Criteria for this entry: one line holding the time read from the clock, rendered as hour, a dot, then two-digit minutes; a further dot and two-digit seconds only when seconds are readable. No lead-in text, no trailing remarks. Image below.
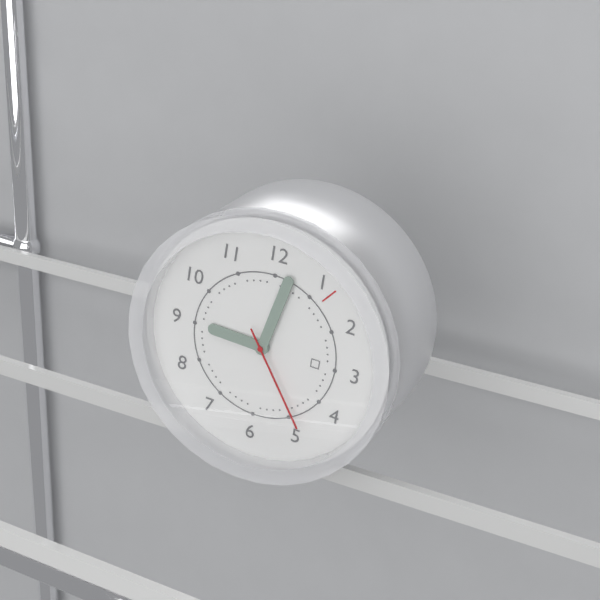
9.02.24
